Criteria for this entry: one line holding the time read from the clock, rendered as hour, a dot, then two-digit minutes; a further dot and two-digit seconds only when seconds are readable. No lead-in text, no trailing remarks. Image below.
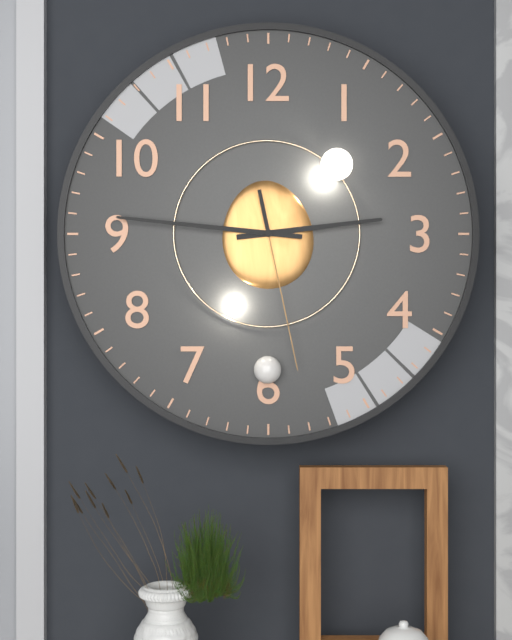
2.46.28
